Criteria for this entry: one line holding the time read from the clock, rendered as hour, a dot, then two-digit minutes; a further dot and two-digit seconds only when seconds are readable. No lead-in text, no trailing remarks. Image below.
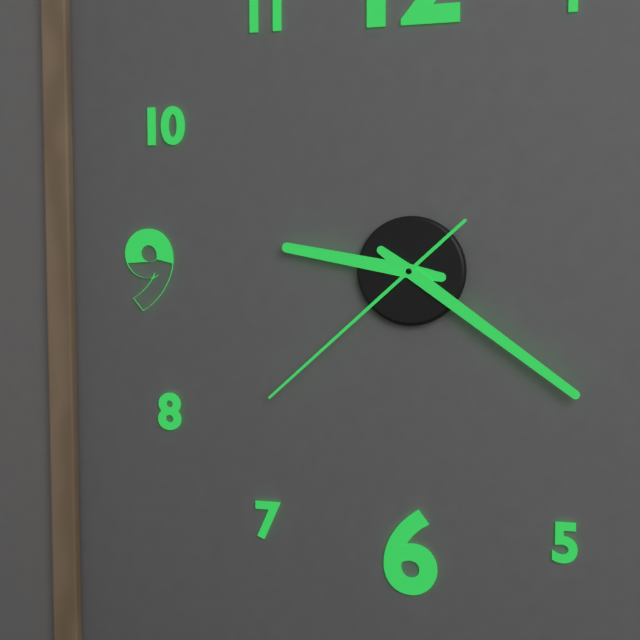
9.21.38
